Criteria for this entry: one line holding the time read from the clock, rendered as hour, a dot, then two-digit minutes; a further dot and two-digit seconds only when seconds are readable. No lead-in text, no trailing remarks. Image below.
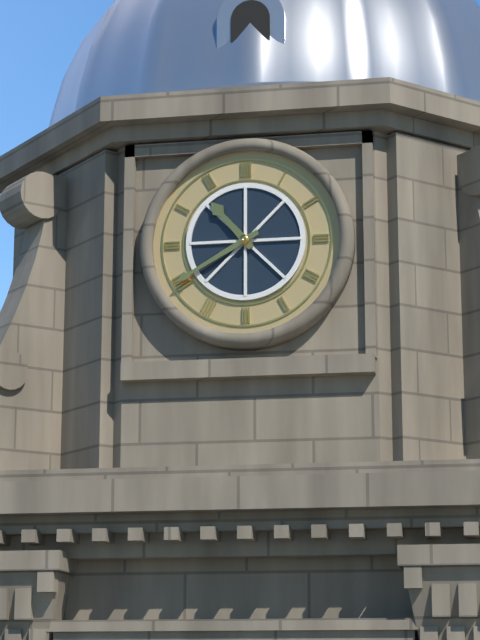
10.40
